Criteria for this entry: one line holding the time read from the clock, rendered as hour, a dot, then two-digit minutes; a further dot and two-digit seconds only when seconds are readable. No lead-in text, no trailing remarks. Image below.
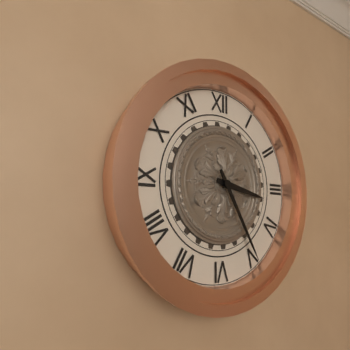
3.25
